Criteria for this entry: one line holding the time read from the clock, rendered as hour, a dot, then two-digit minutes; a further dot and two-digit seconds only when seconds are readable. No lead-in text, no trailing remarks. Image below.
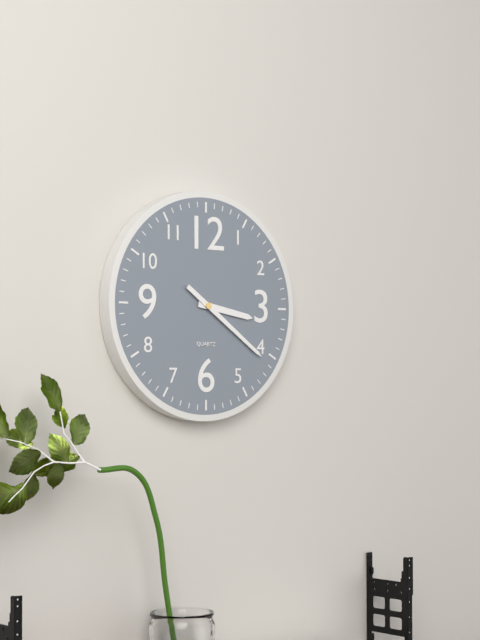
3.21
